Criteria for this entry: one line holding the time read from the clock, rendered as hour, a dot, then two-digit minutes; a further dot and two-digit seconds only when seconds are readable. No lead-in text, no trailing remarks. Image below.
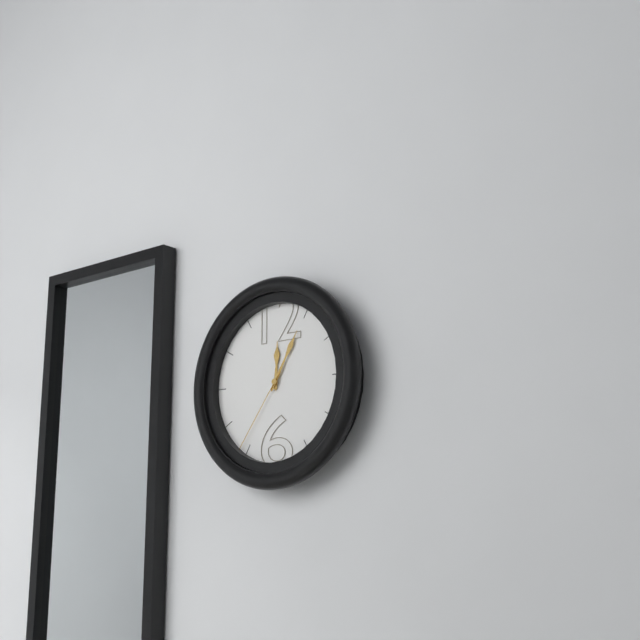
12.05.36
